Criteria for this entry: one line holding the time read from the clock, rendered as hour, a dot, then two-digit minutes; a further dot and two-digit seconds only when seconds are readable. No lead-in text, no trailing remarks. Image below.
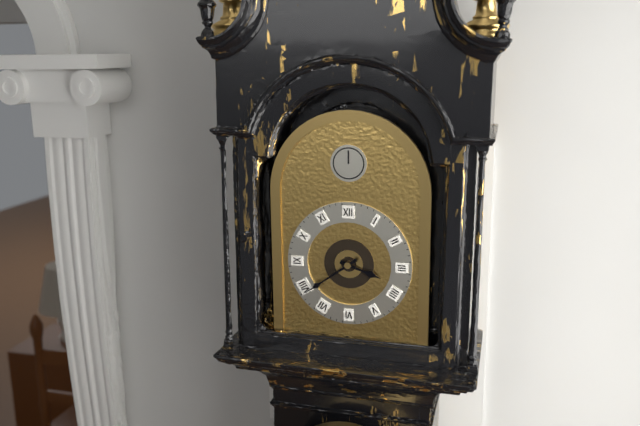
3.39
